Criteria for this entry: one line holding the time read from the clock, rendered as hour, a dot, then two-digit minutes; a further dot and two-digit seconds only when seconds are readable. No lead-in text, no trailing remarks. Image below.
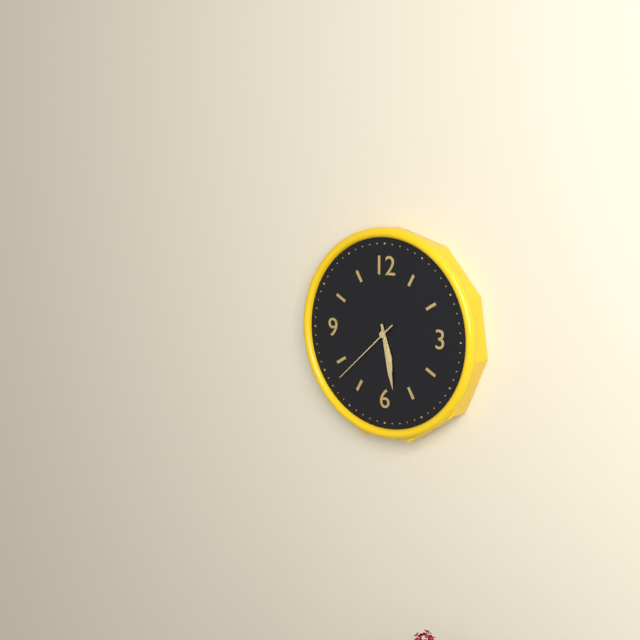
5.28.38
